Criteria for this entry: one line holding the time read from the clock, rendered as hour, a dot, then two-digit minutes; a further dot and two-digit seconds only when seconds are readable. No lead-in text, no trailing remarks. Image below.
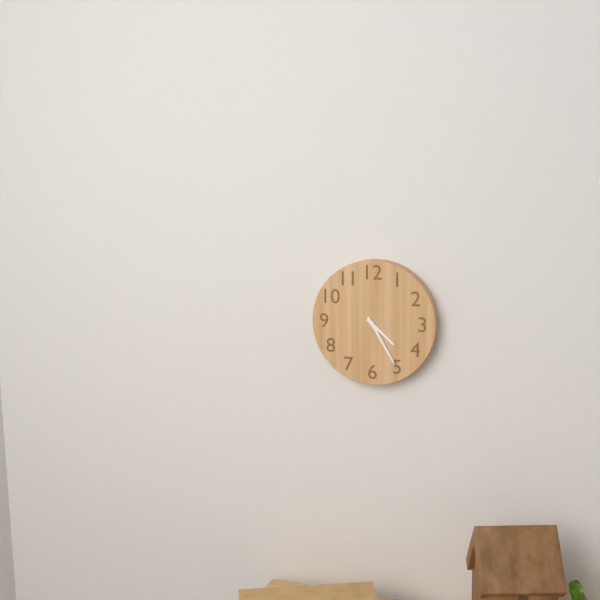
4.25
